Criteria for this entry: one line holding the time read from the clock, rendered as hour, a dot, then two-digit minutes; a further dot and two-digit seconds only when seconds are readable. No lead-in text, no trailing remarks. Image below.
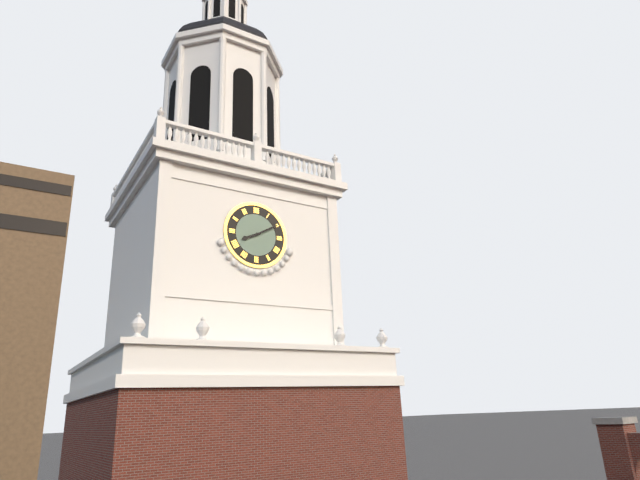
8.10
